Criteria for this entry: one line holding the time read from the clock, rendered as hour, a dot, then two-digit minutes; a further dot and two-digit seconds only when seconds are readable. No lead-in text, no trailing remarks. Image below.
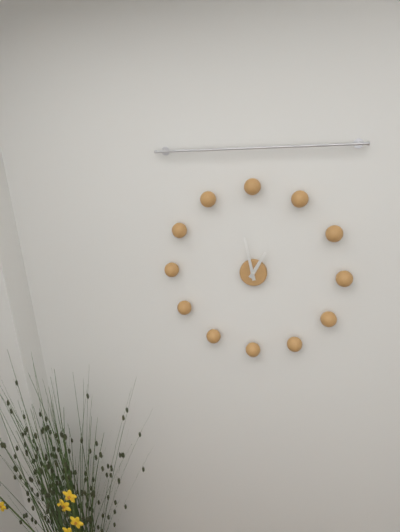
12.58
